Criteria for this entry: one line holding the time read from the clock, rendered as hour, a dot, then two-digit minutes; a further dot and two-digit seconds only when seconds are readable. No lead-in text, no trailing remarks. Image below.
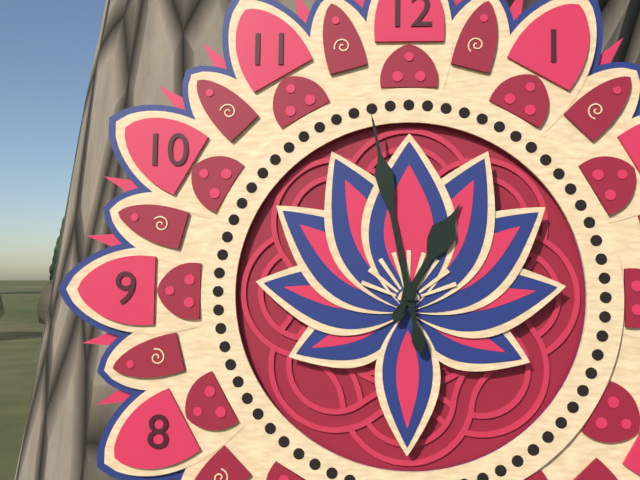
12.58
